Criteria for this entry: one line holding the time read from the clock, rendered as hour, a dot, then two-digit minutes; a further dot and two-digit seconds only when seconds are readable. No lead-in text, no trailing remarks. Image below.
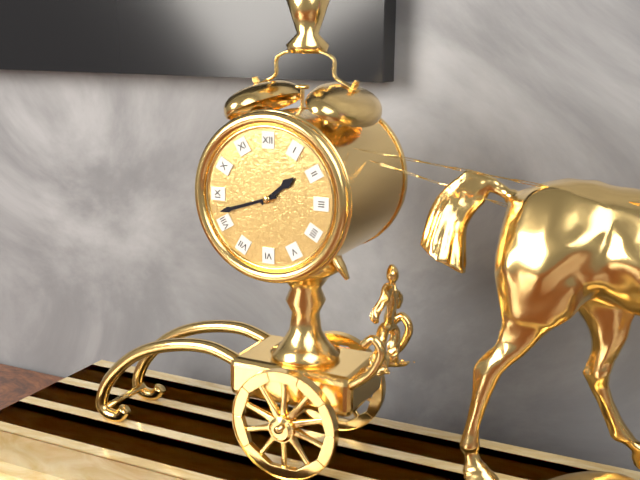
1.42
